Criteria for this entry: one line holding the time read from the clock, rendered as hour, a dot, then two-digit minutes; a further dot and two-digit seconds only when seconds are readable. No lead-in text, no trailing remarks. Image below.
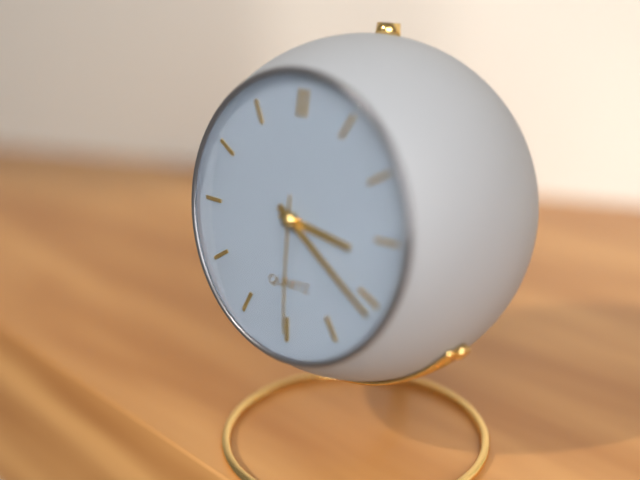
3.21.30
